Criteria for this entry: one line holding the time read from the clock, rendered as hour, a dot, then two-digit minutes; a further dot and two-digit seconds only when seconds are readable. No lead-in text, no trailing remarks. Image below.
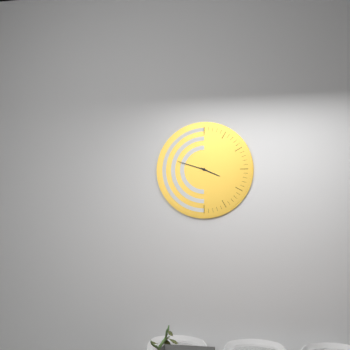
3.48
